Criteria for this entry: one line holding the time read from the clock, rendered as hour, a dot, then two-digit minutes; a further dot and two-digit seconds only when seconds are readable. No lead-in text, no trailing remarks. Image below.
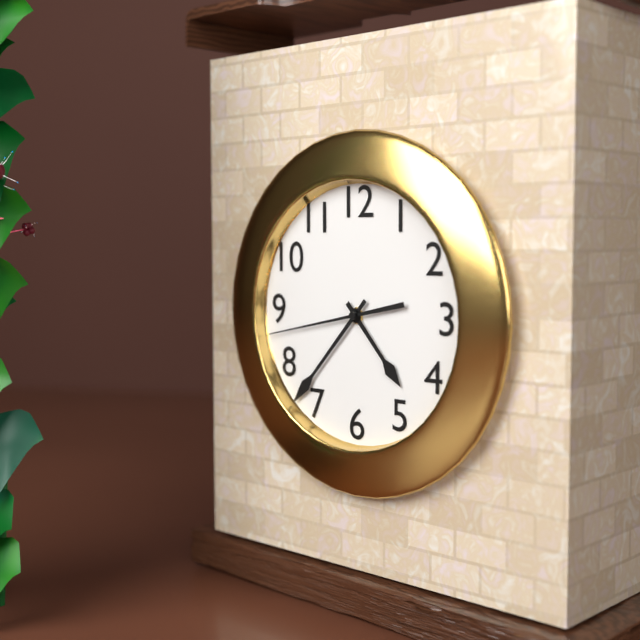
4.37.43
